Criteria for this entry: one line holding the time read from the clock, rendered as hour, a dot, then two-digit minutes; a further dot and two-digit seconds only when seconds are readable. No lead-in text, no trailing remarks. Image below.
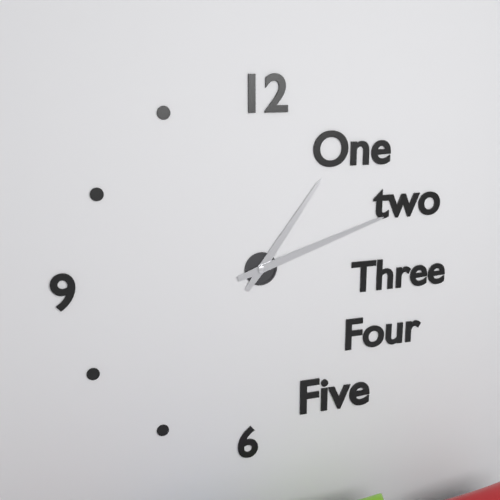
1.12
